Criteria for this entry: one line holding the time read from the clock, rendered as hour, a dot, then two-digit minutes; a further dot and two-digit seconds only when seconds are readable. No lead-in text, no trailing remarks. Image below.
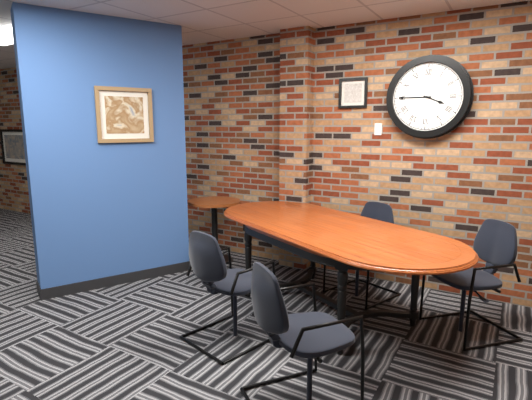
3.45
